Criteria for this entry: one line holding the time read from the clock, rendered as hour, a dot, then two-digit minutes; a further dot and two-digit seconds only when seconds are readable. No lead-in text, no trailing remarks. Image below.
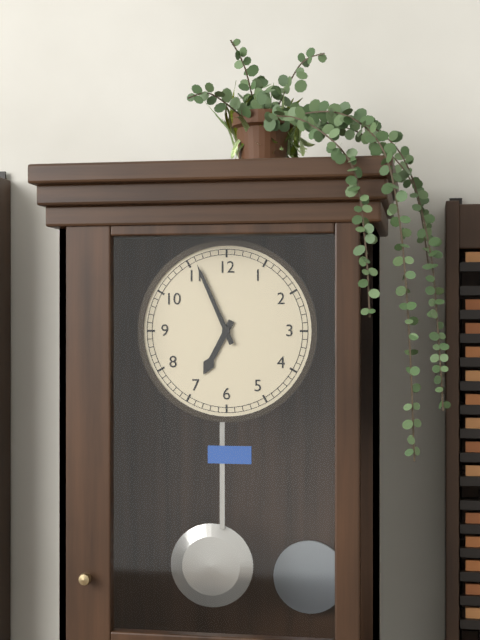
6.56
